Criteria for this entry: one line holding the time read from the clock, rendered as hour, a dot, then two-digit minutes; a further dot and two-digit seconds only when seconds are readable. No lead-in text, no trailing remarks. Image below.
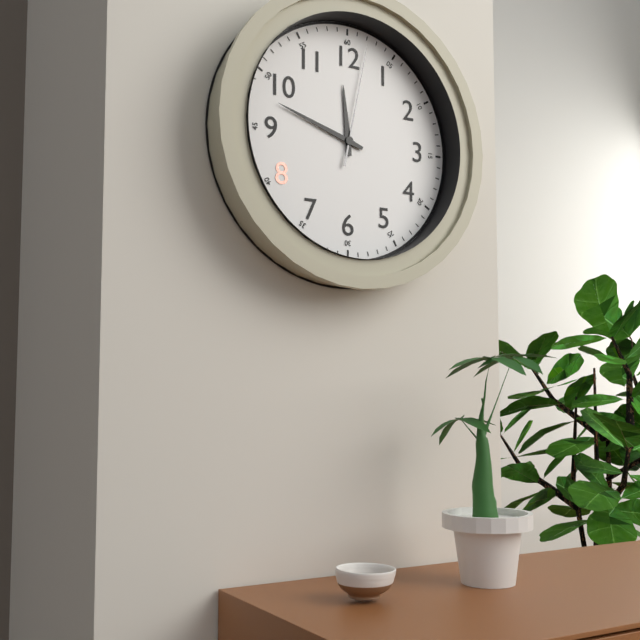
11.48.02
